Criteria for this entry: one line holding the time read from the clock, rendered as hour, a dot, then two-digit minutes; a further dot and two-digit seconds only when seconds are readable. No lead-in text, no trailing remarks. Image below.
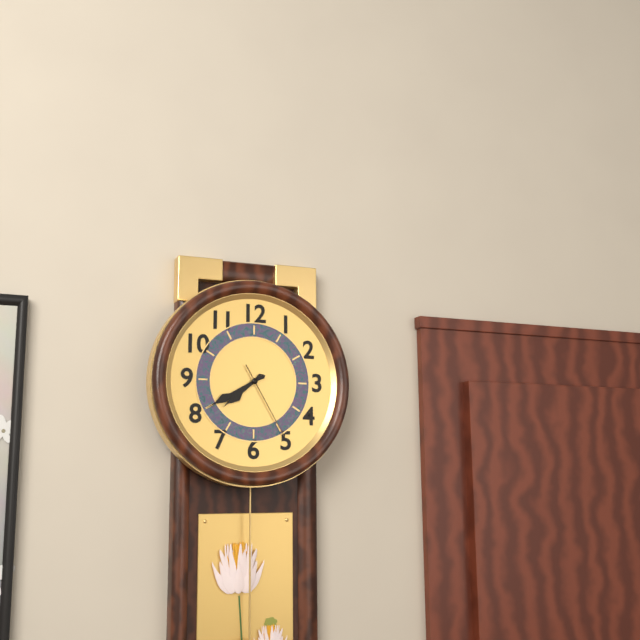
7.40.25
